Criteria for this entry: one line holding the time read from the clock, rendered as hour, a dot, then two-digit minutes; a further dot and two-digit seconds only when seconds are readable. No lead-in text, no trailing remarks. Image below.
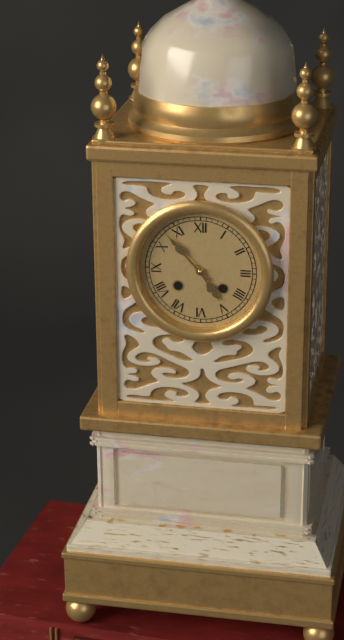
4.53
